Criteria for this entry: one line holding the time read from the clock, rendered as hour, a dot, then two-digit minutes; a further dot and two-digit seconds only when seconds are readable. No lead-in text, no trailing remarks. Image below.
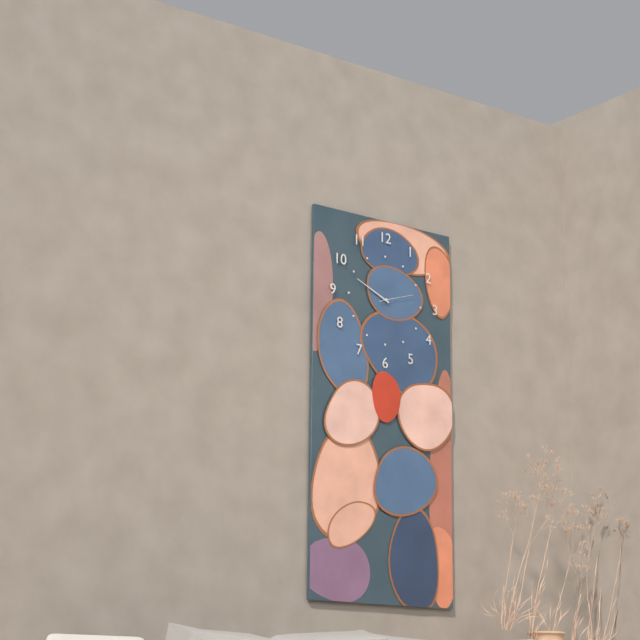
9.49
